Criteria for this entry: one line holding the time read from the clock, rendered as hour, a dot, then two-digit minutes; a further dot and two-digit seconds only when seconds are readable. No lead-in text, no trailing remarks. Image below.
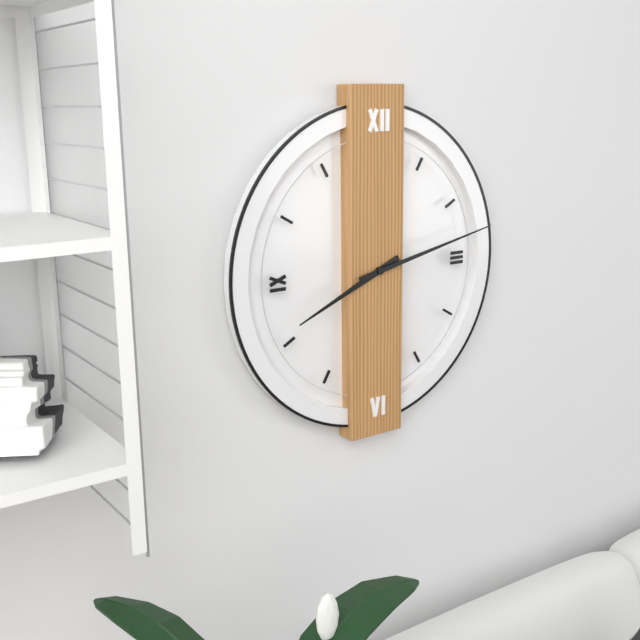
8.13
